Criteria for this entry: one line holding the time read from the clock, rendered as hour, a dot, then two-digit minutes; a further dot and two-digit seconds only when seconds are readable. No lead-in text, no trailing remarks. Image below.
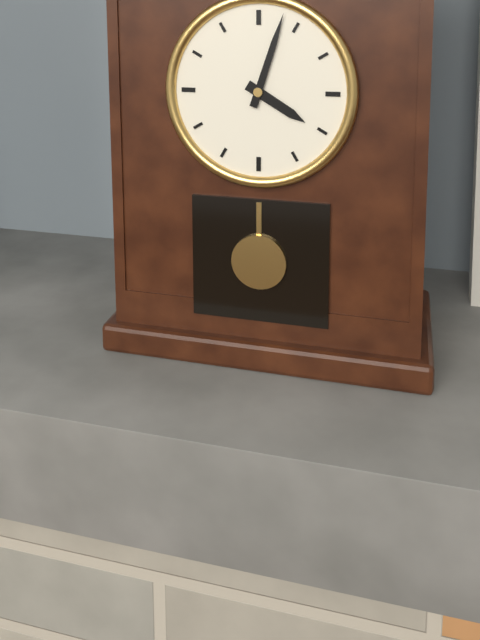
4.03
